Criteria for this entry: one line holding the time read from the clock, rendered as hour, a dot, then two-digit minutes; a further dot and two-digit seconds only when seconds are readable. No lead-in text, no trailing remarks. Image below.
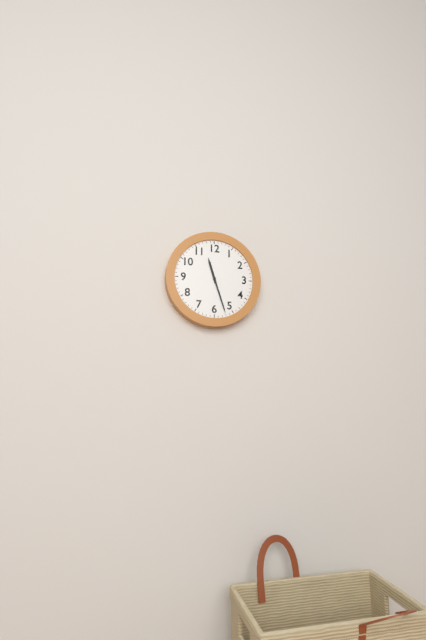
11.27
